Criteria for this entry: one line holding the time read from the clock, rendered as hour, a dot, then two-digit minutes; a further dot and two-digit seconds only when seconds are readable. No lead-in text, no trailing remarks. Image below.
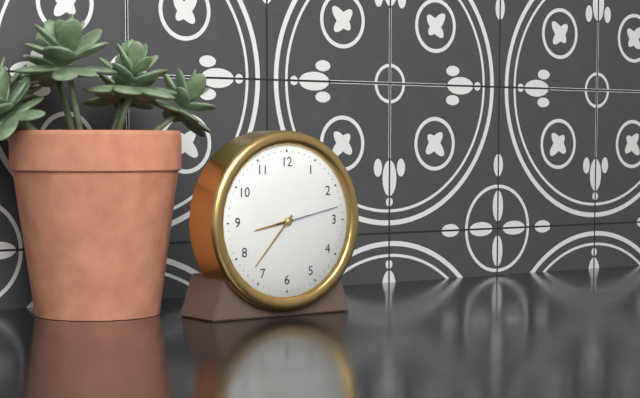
8.37.13
